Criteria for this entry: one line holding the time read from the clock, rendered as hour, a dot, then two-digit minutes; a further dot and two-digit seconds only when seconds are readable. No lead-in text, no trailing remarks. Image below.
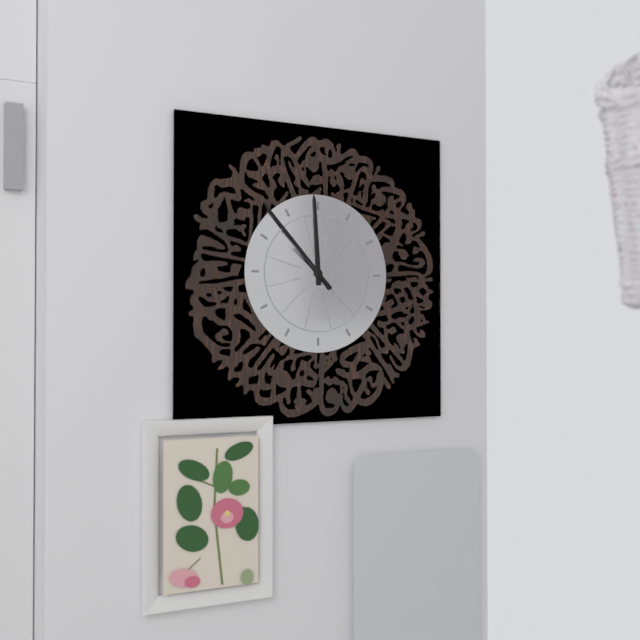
11.53
